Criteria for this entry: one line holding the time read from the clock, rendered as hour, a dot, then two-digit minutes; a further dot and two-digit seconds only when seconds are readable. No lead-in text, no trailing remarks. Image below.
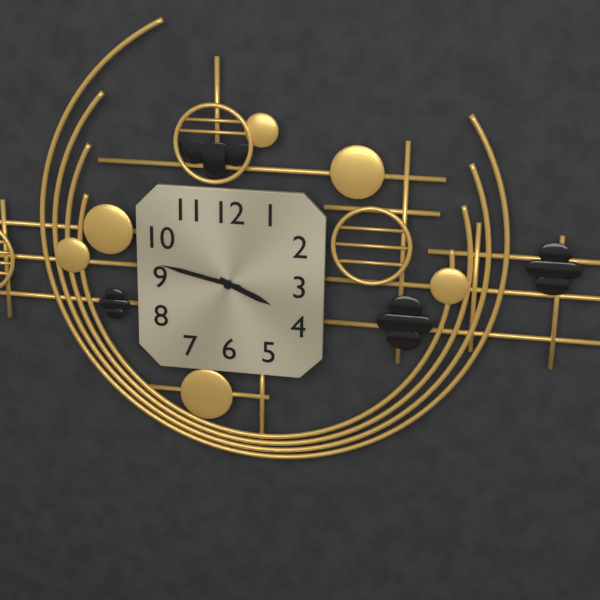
3.47
